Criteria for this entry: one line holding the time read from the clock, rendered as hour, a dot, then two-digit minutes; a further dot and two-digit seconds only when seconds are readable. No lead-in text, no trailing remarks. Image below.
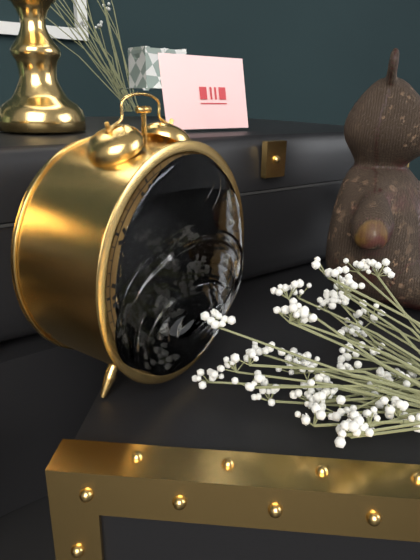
5.43
